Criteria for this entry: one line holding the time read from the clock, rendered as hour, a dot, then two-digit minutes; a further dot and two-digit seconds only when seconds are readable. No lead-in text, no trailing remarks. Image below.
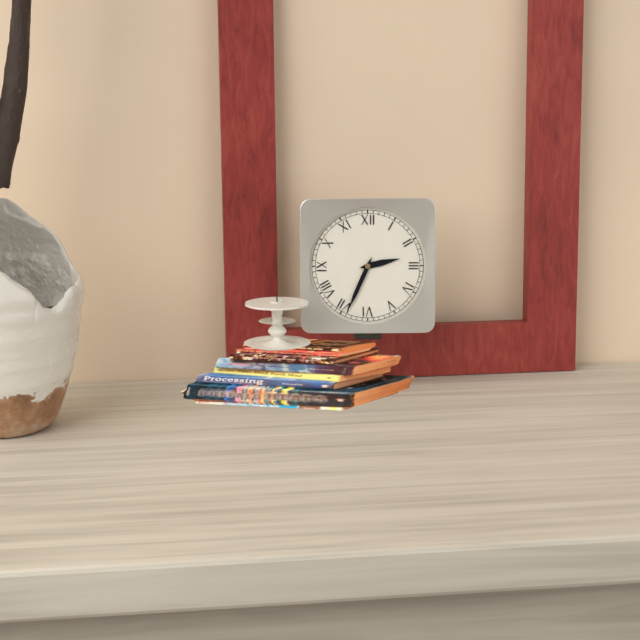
2.34
